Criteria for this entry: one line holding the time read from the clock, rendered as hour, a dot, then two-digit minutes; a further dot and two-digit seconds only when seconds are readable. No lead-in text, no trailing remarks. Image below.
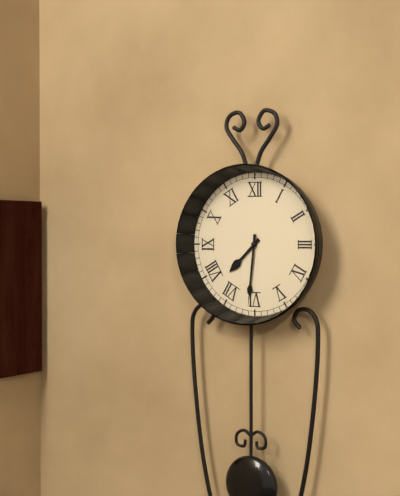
7.31
